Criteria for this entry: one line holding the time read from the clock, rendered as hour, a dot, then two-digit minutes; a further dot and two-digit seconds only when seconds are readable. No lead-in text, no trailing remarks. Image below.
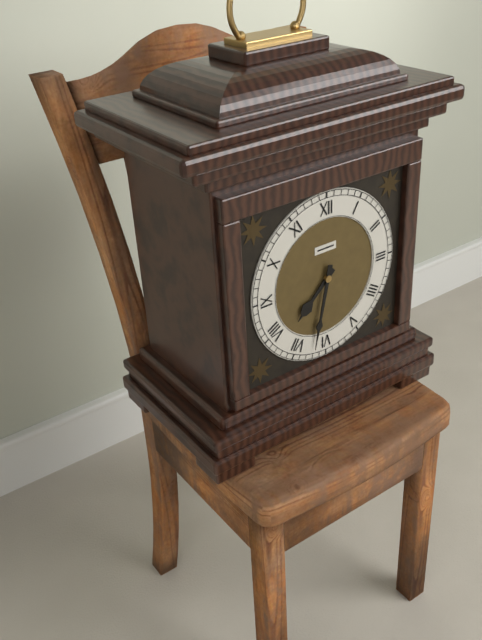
7.32
